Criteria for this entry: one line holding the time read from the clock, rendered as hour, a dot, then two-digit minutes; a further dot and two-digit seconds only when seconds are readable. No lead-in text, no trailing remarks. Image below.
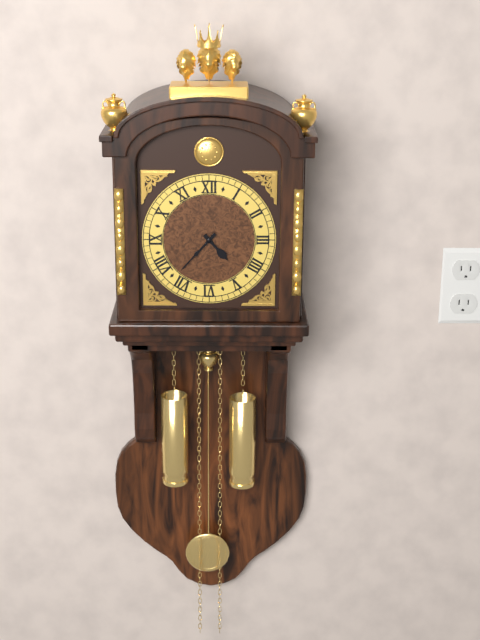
4.37
